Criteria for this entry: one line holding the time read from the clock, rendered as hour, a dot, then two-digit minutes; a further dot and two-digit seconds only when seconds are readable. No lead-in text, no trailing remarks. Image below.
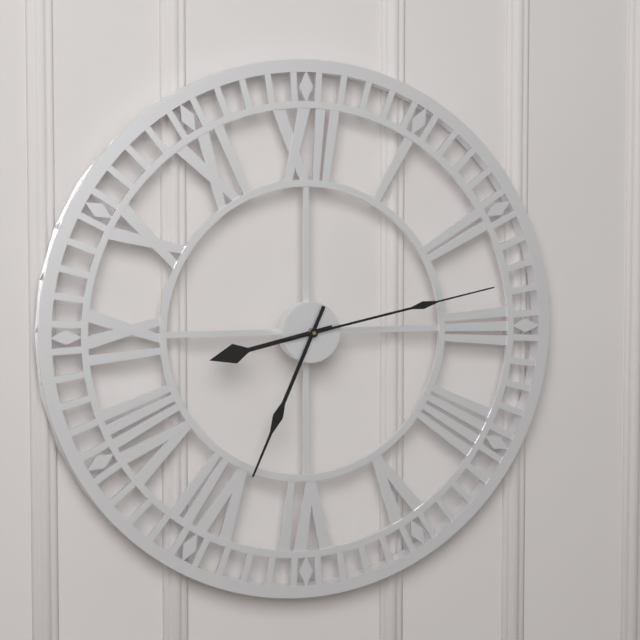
8.34.13
